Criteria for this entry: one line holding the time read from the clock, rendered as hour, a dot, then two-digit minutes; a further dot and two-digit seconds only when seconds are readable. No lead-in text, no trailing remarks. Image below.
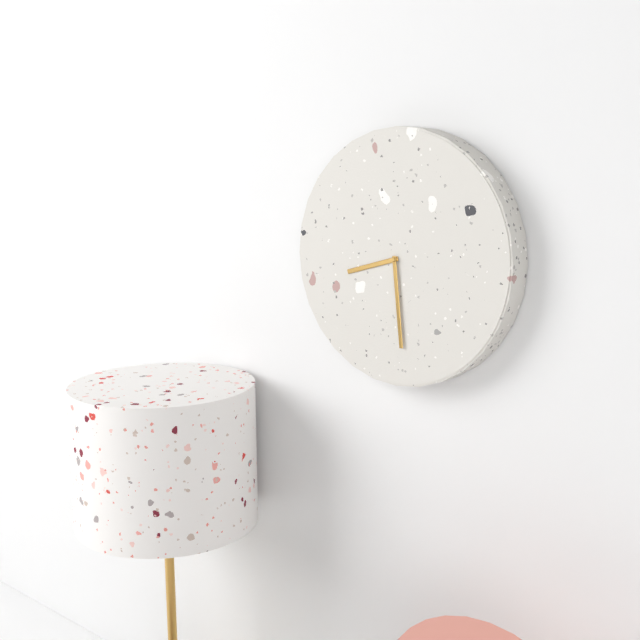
8.29
